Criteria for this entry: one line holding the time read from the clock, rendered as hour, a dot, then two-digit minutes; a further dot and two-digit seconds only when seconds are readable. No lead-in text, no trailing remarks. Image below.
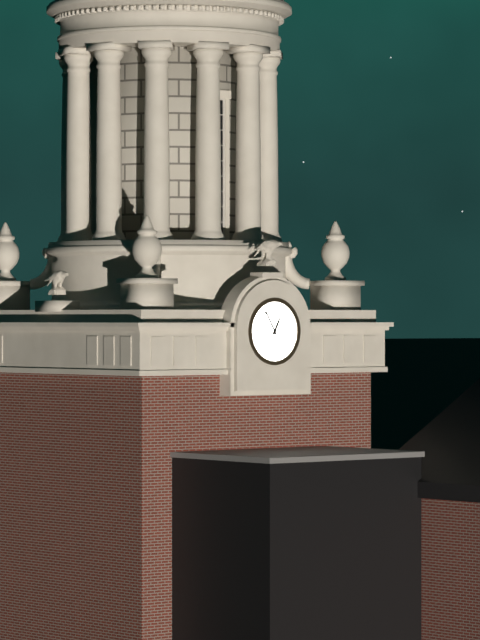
12.55
